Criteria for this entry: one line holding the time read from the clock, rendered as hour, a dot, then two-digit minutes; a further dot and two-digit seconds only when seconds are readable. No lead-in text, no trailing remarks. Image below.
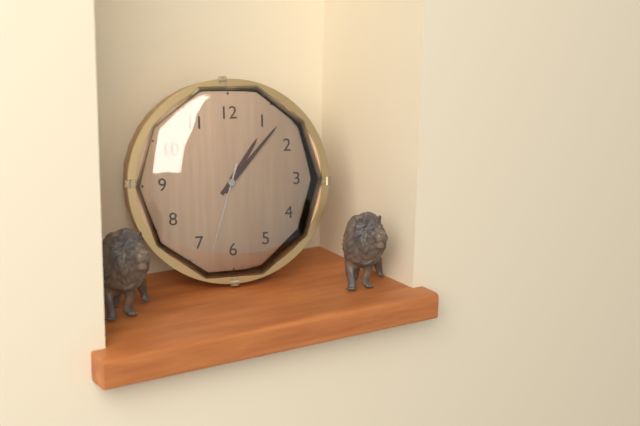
1.07.33
